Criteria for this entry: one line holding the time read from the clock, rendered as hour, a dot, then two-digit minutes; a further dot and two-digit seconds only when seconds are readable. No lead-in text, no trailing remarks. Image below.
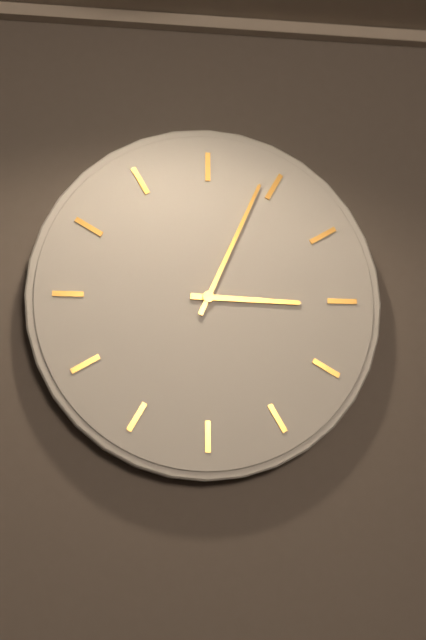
3.04
